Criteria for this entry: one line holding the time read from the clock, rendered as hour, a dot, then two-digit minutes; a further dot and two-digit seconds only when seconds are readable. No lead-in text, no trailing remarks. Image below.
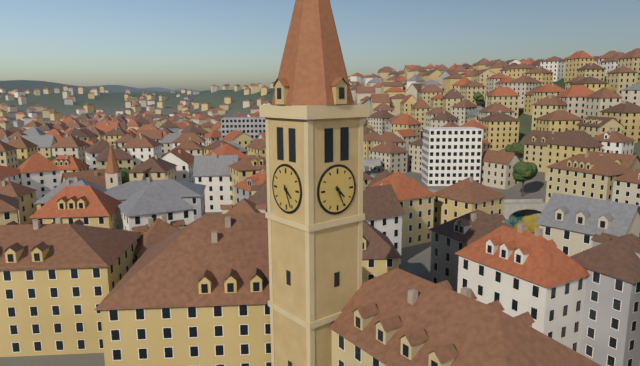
4.26
